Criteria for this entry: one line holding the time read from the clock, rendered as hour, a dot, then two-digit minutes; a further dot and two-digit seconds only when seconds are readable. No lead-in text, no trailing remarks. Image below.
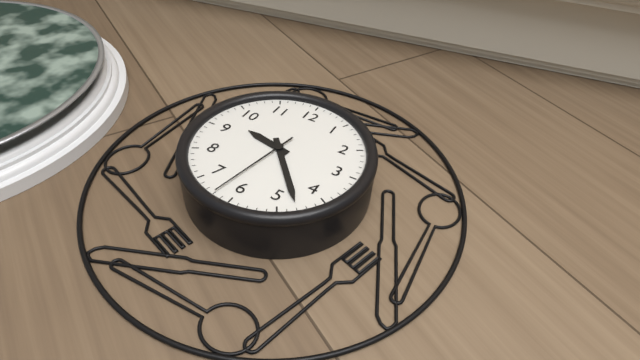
9.23.32
